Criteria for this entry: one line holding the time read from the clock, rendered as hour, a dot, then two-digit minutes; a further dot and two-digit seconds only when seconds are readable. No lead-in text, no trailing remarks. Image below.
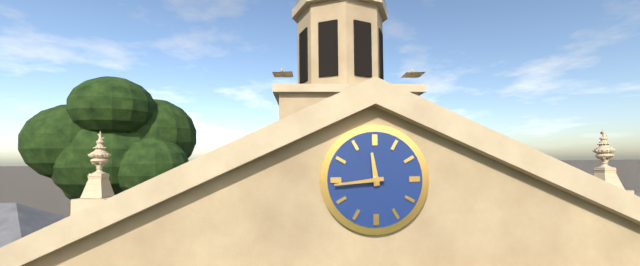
11.44
